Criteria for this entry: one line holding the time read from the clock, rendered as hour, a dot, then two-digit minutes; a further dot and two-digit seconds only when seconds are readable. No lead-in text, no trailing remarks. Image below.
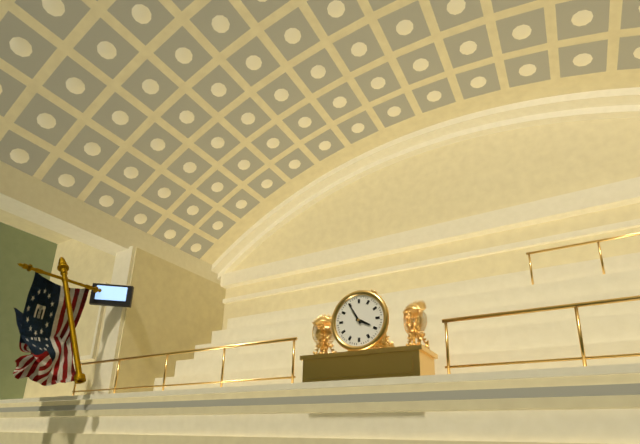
3.55
